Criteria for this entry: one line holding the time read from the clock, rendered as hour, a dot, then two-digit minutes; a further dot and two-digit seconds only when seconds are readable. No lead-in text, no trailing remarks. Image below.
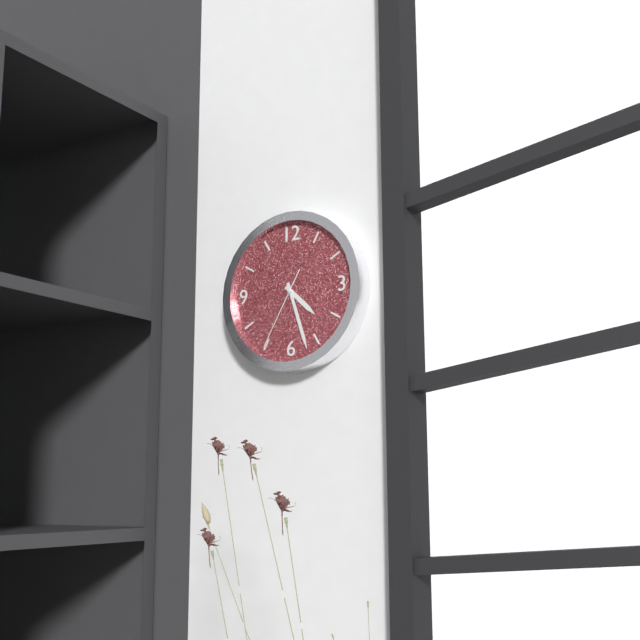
4.27.35
